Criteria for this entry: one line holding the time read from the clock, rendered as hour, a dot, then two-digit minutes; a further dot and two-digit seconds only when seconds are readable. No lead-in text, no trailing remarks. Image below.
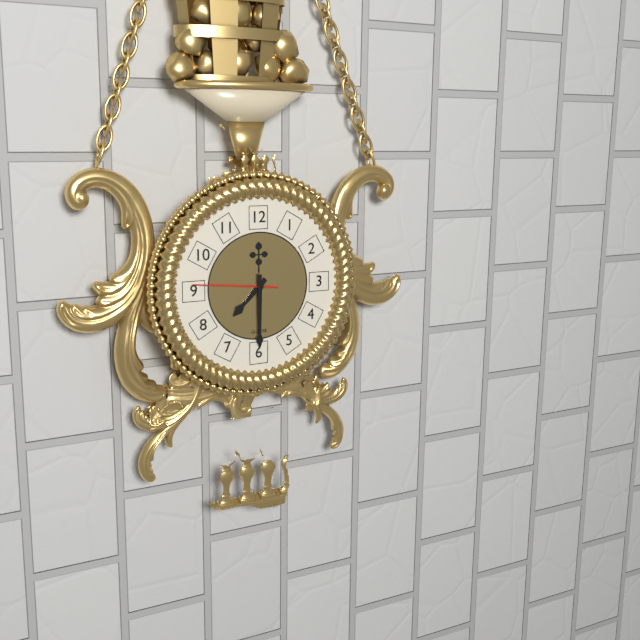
7.30.46
